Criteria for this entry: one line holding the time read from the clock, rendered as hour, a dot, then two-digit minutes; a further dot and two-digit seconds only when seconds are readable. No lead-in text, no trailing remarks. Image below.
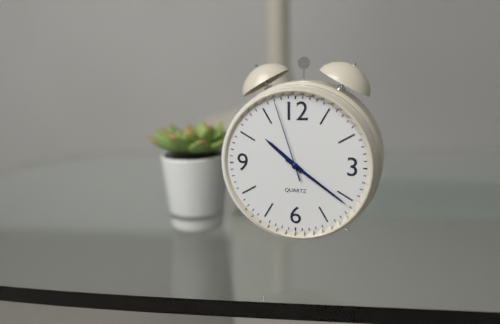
10.21.57
